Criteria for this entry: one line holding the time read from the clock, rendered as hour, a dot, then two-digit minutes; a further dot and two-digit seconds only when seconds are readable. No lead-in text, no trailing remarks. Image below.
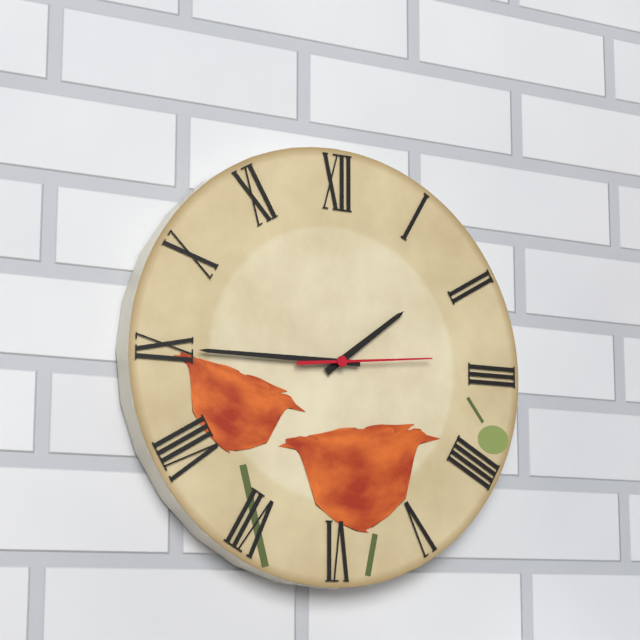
1.45.14
